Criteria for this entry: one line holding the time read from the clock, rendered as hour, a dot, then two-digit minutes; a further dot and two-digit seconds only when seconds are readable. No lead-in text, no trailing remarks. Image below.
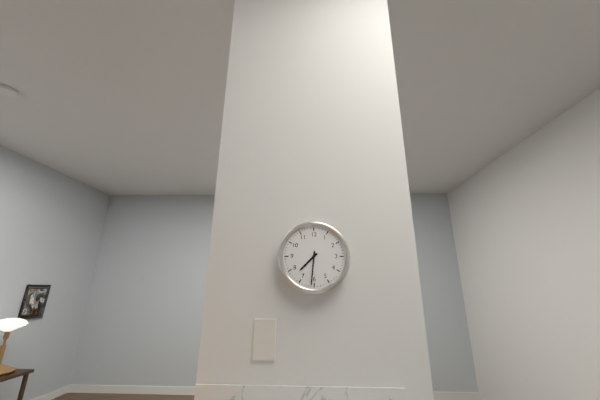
7.31
